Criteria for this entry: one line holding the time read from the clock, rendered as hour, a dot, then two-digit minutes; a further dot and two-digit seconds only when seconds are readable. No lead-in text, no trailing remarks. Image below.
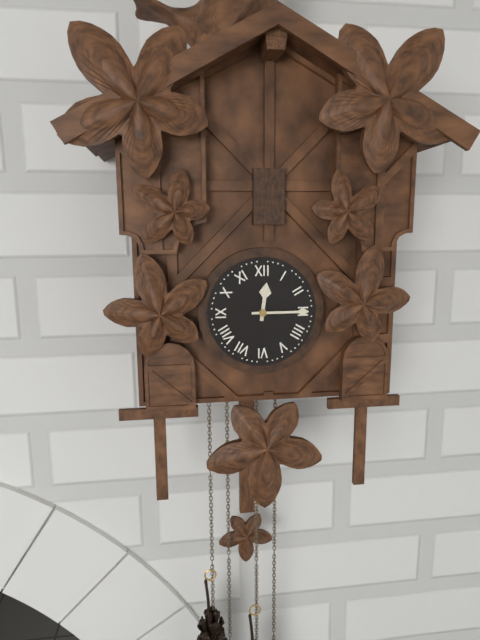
12.15
